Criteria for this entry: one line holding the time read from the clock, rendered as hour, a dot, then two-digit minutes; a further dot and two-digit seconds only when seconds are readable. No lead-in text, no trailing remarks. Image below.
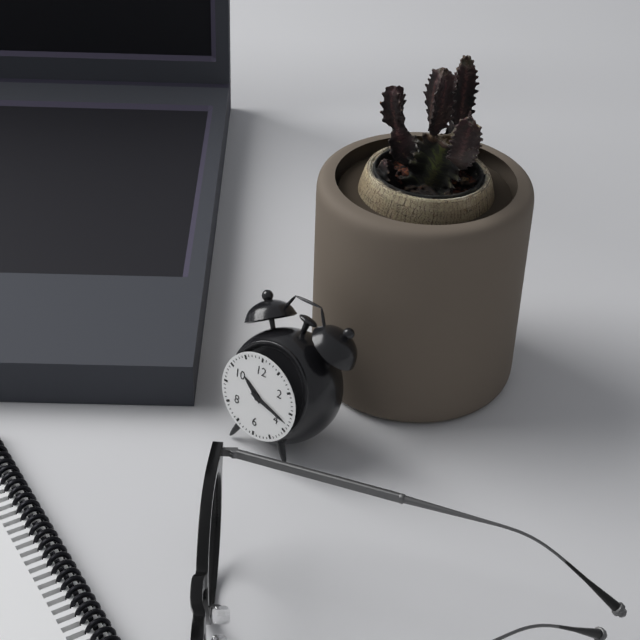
10.18
